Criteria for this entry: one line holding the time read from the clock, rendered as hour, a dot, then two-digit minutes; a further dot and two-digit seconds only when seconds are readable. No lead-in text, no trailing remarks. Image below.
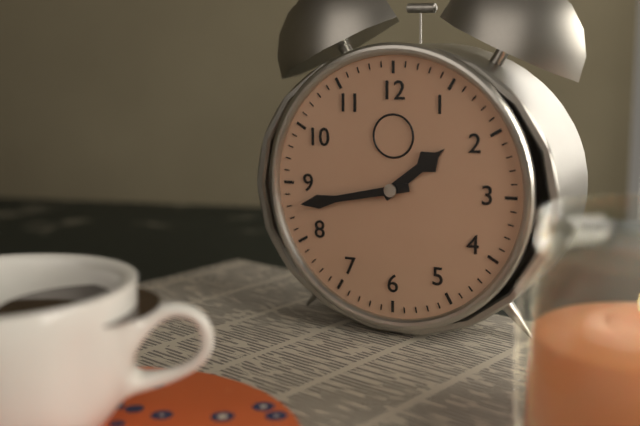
1.43
